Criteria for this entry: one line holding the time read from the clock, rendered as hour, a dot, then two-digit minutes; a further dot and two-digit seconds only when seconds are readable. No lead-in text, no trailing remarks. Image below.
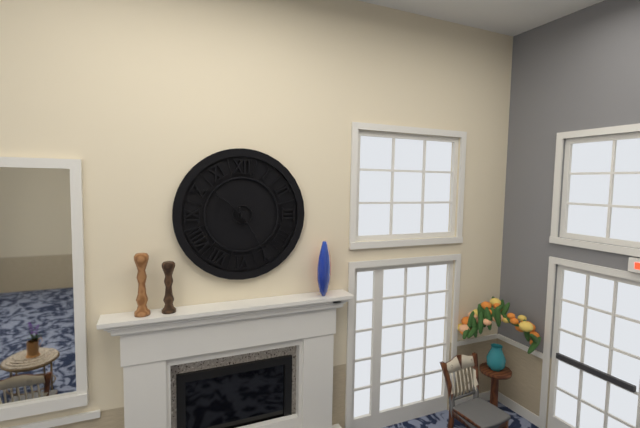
10.25
